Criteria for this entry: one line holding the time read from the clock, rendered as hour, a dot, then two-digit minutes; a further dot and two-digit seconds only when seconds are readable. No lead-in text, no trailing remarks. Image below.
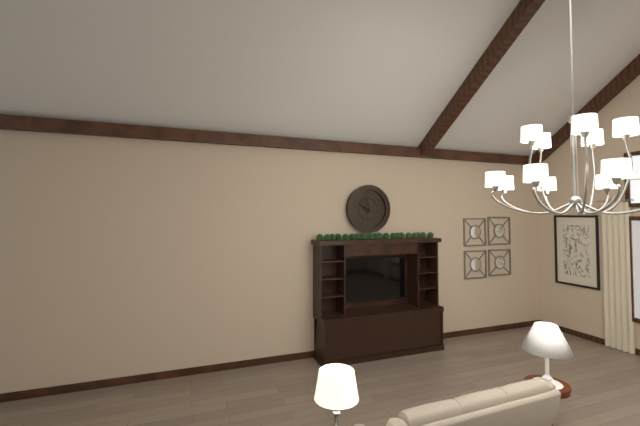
9.58
